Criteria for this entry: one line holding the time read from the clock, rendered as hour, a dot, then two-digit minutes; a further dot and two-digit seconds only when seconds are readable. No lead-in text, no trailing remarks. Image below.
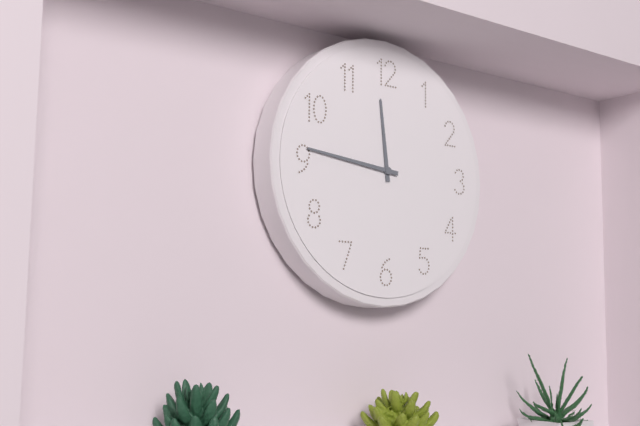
11.46
